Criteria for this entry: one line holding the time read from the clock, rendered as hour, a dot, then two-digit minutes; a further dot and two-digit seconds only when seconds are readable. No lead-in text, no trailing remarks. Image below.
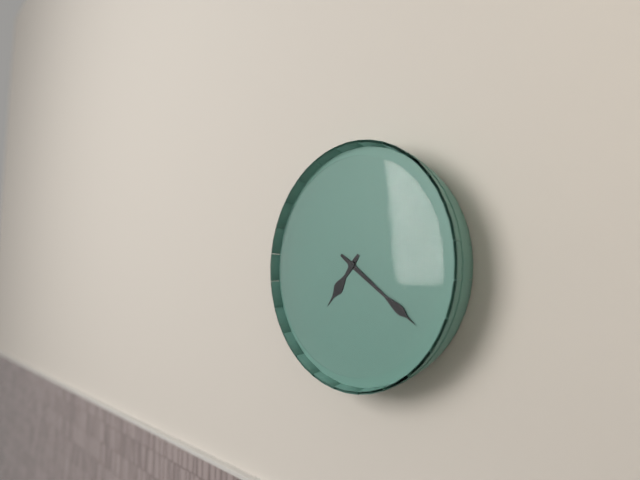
7.21
